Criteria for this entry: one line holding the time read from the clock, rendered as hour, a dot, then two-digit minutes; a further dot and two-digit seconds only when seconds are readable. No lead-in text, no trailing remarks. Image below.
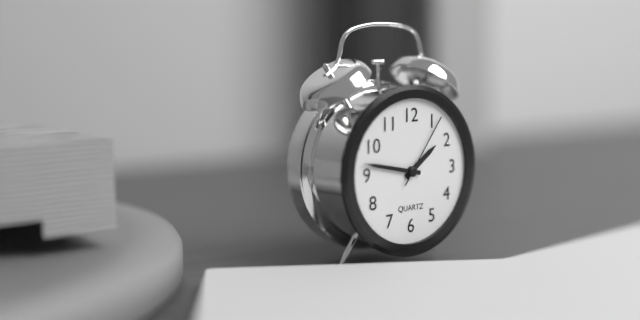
1.47.06
